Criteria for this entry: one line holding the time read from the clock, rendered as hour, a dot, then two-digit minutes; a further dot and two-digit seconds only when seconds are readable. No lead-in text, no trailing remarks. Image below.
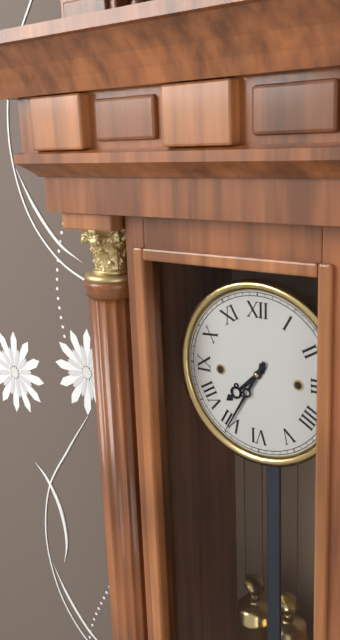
7.35
